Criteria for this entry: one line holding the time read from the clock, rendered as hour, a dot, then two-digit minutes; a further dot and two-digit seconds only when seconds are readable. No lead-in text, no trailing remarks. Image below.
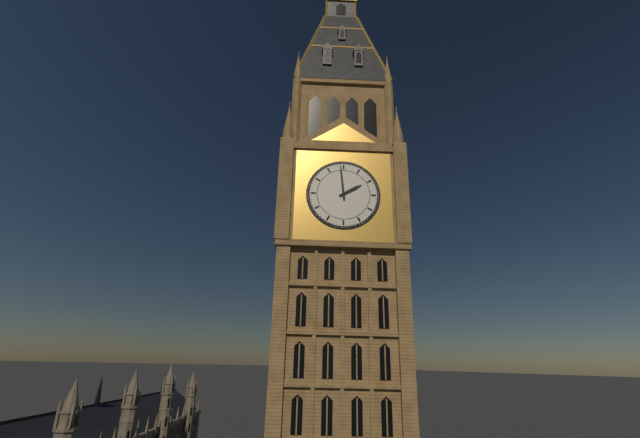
1.59
